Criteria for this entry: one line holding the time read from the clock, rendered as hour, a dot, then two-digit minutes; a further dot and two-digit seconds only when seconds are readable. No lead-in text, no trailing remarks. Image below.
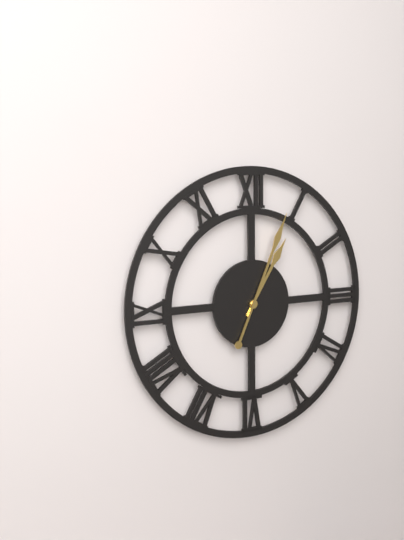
1.04
